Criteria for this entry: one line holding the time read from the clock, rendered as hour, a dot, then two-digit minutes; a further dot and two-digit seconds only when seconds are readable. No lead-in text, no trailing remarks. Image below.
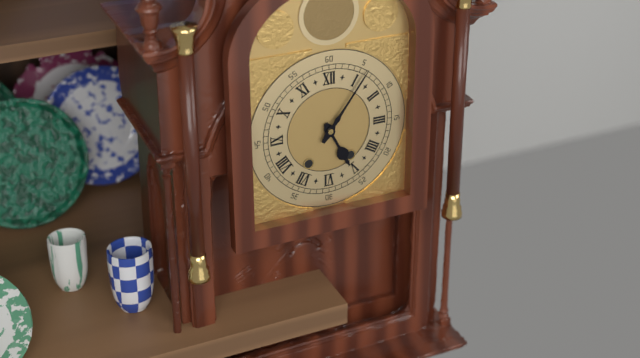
5.06
